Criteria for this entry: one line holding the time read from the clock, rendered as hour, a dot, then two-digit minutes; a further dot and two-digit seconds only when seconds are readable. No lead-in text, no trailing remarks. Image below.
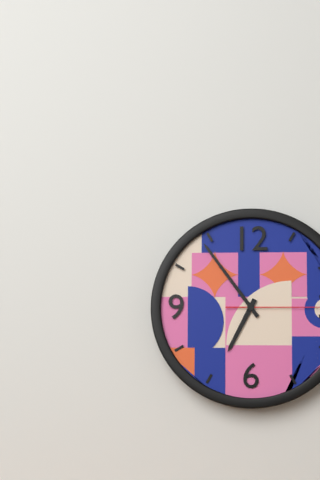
6.54
